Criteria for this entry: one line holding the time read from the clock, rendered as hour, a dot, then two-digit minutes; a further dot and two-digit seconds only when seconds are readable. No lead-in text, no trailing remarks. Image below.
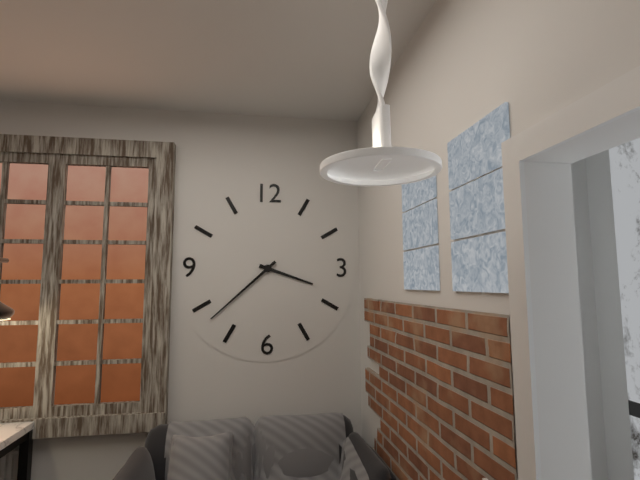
3.38
